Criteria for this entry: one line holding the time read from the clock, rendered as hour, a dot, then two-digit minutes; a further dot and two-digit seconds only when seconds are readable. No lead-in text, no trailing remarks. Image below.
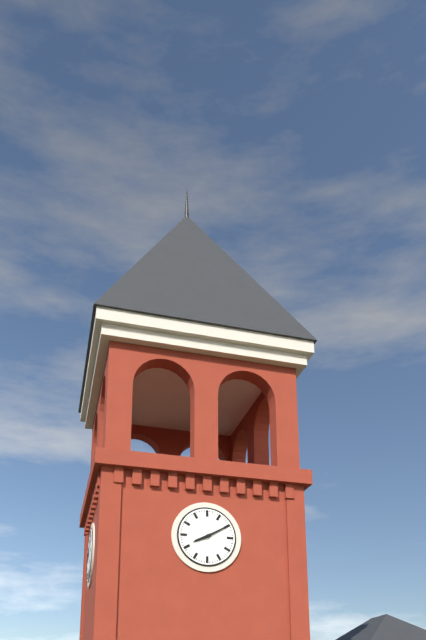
8.10
